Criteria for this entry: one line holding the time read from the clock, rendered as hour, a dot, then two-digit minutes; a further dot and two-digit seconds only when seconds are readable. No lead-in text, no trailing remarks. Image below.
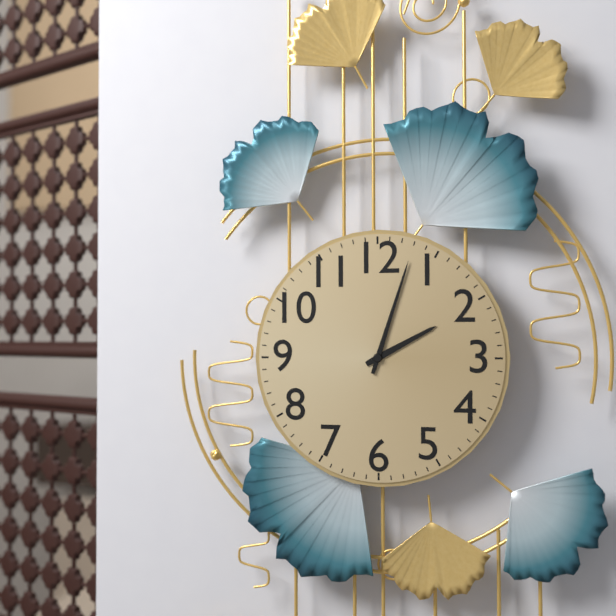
2.03
